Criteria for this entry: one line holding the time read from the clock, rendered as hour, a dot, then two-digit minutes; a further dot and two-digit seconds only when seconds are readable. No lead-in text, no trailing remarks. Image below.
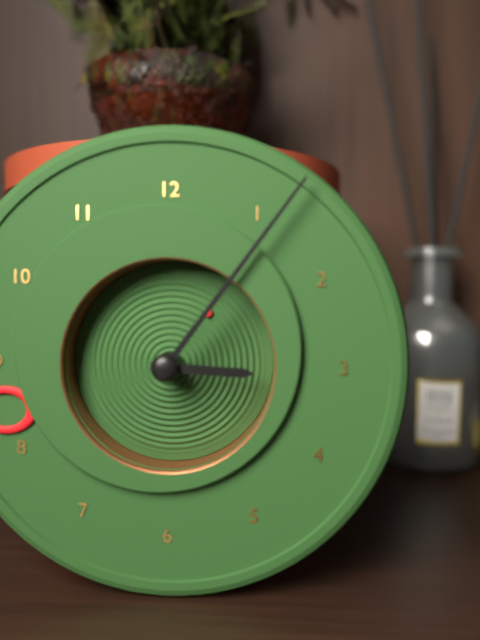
3.06.06
